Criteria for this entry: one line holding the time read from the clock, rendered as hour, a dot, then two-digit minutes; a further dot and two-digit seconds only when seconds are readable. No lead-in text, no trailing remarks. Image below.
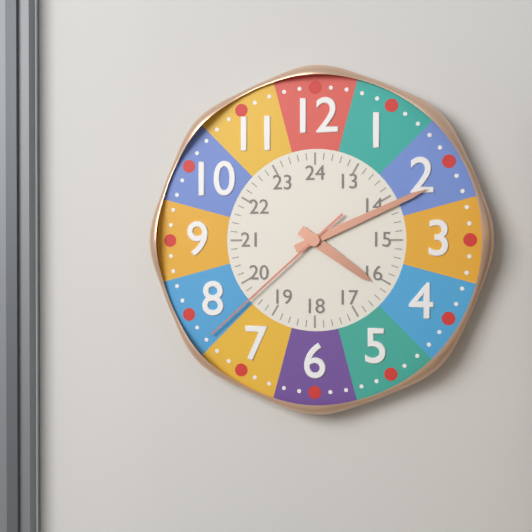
4.11.38
